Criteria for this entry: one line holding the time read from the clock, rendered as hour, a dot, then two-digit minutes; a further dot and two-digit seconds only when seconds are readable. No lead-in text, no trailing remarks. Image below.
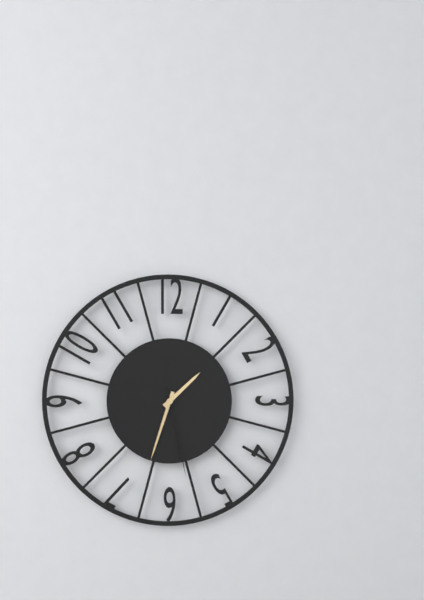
1.33.28
